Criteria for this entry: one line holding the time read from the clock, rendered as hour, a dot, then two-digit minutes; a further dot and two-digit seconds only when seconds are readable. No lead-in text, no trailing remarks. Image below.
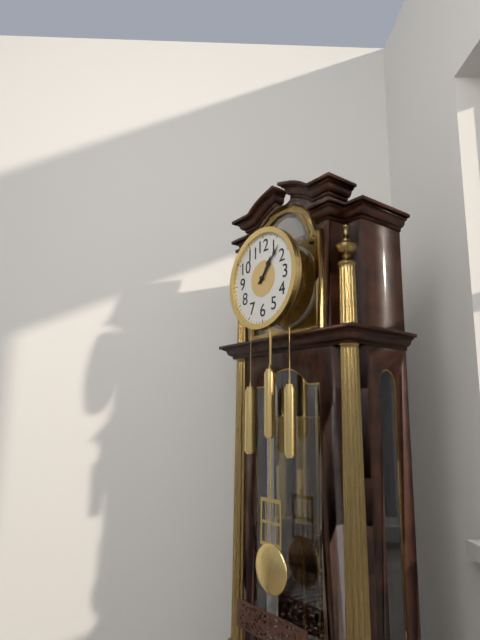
1.07
